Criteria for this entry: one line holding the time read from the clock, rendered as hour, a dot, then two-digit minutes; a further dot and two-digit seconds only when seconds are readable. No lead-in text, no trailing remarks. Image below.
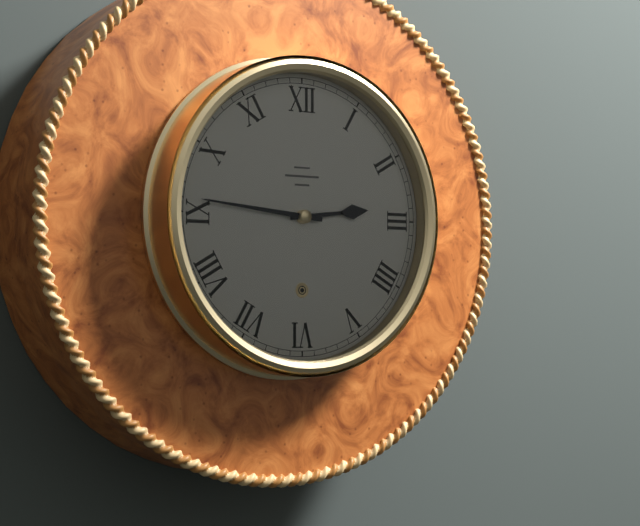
2.46
